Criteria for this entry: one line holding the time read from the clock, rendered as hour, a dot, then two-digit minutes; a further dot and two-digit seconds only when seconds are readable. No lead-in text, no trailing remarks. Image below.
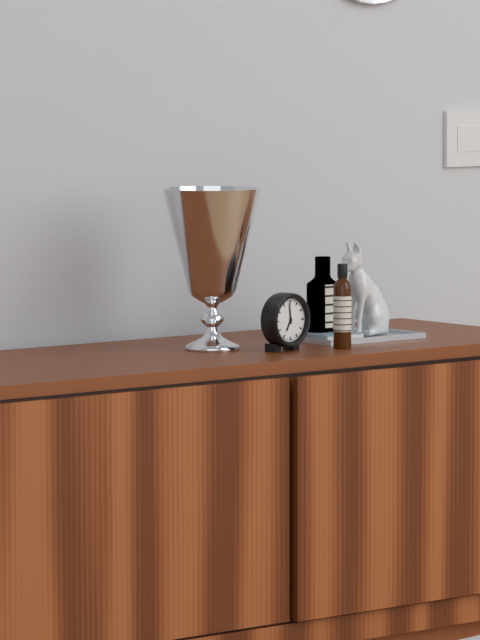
6.59
